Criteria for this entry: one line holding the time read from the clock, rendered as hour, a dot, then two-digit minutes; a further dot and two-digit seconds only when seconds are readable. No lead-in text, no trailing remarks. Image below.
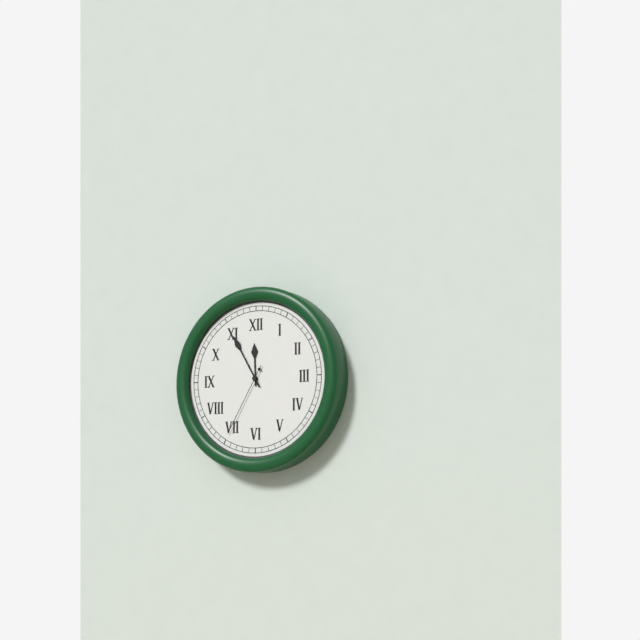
11.55.35
